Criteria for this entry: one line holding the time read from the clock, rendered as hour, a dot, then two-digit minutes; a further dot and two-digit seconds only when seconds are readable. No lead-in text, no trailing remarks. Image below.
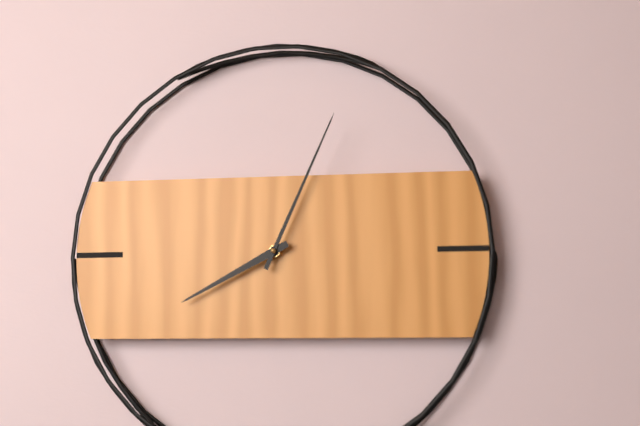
8.04
